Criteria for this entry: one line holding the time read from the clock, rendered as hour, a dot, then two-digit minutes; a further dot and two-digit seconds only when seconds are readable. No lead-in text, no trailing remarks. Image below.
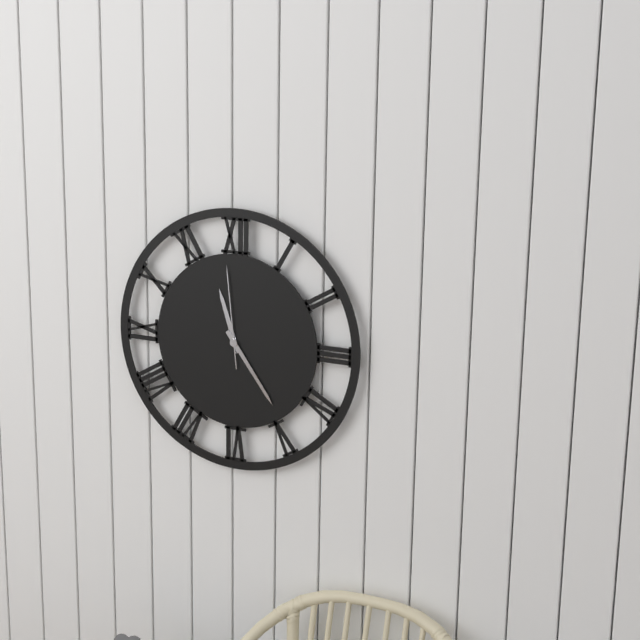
11.24.59
